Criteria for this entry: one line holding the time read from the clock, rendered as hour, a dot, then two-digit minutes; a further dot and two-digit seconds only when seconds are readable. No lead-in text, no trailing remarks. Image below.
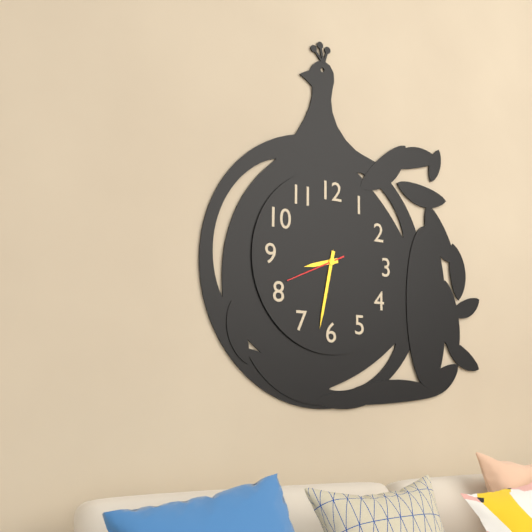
8.32.41
